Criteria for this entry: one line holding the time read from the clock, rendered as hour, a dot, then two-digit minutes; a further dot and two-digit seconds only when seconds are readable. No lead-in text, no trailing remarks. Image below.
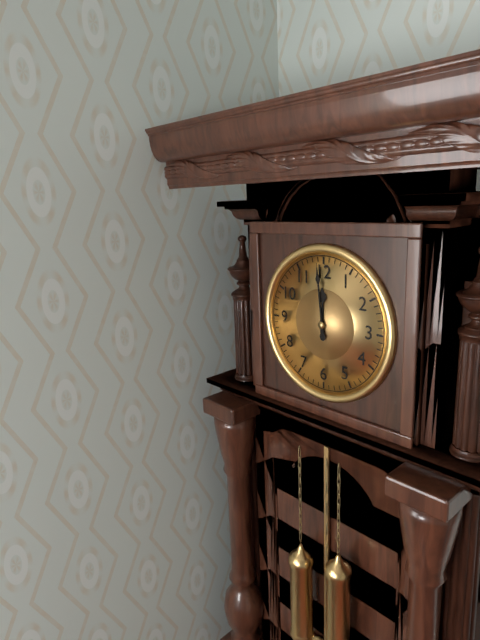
11.59
